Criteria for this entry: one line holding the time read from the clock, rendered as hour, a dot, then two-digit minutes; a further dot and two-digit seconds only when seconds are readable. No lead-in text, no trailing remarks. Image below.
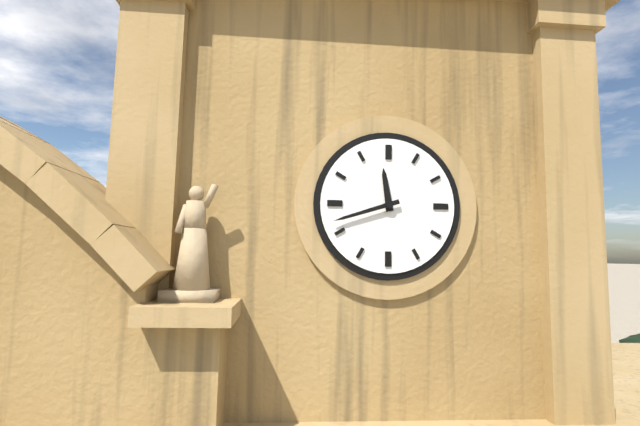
11.42
